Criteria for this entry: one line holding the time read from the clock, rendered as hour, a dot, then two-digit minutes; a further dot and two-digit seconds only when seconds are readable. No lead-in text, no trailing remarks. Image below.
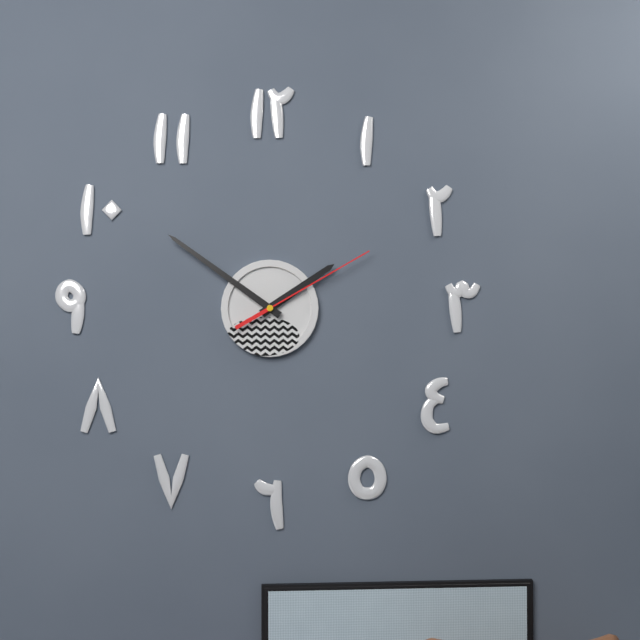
1.51.10
